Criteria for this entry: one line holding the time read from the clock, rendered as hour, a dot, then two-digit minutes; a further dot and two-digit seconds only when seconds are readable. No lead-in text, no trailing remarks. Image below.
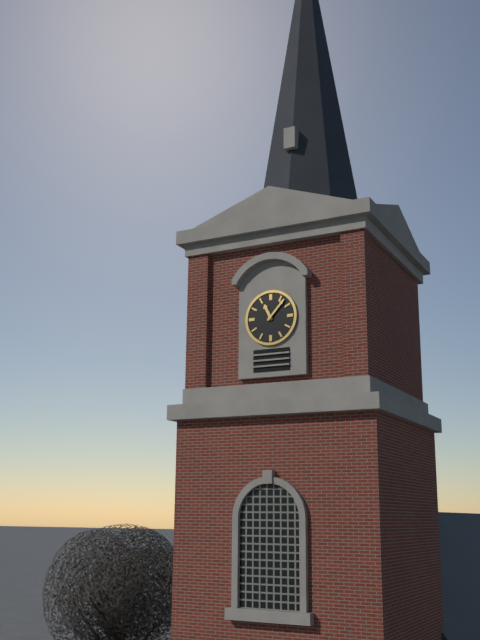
11.07
